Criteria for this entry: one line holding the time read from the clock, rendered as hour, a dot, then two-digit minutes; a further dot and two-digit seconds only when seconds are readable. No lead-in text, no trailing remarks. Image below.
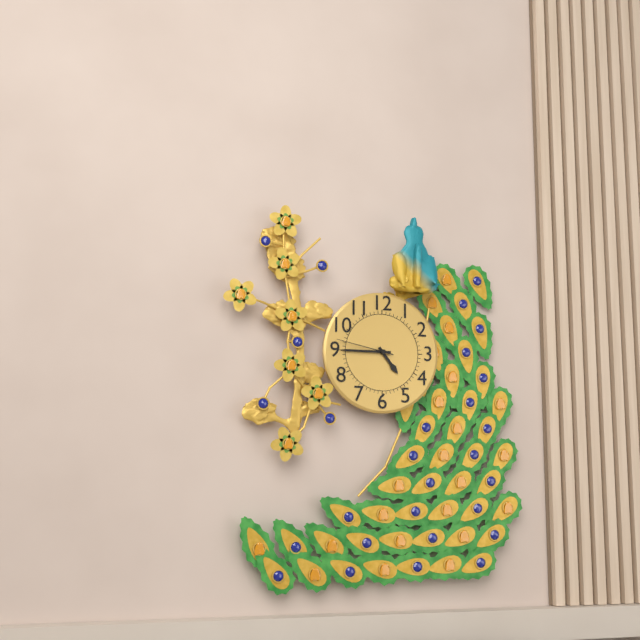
4.45.47
